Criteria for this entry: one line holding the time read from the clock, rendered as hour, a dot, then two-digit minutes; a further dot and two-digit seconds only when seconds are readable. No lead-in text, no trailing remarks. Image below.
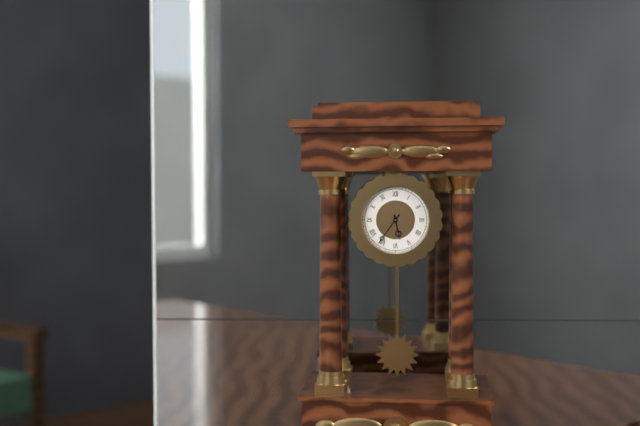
5.36
